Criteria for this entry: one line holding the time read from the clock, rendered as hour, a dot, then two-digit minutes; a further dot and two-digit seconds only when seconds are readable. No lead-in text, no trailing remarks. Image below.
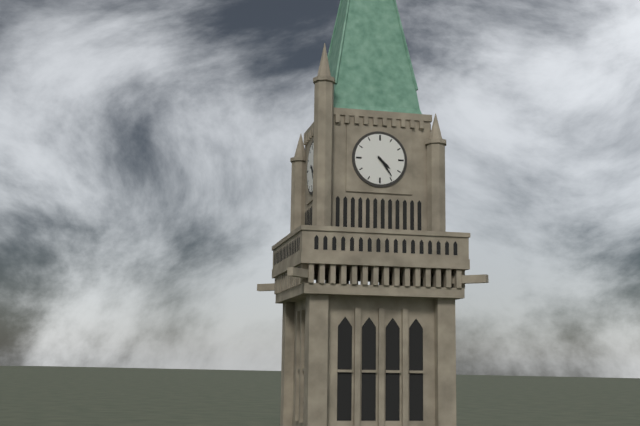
4.24
